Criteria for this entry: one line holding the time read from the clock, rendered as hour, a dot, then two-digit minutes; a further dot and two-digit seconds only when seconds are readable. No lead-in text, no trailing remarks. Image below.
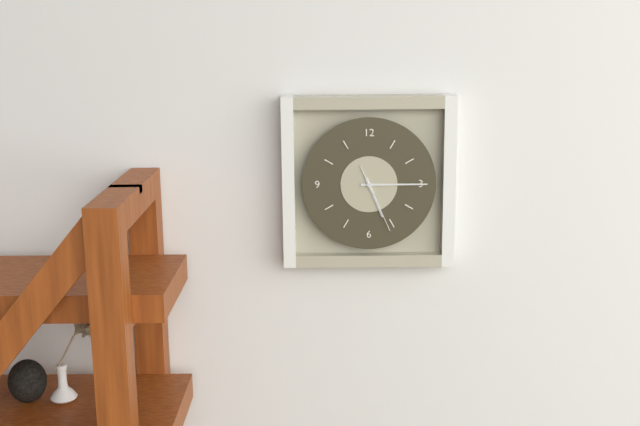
5.15.26
